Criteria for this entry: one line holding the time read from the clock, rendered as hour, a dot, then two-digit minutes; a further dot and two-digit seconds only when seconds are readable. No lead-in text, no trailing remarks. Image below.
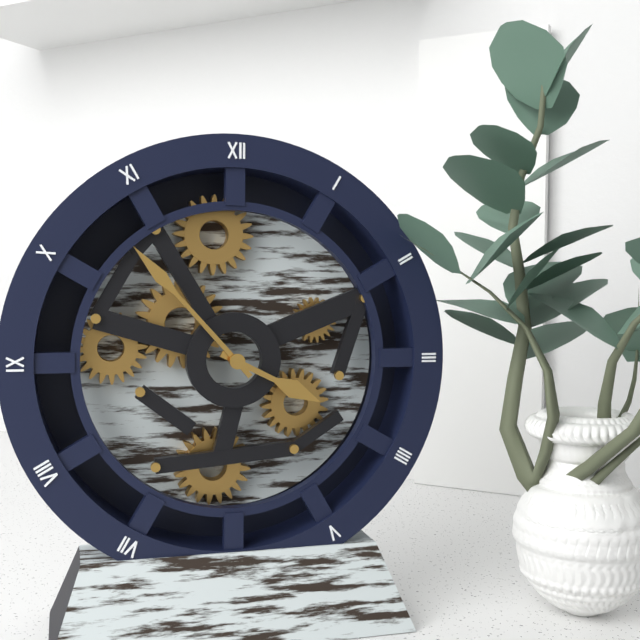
3.53
